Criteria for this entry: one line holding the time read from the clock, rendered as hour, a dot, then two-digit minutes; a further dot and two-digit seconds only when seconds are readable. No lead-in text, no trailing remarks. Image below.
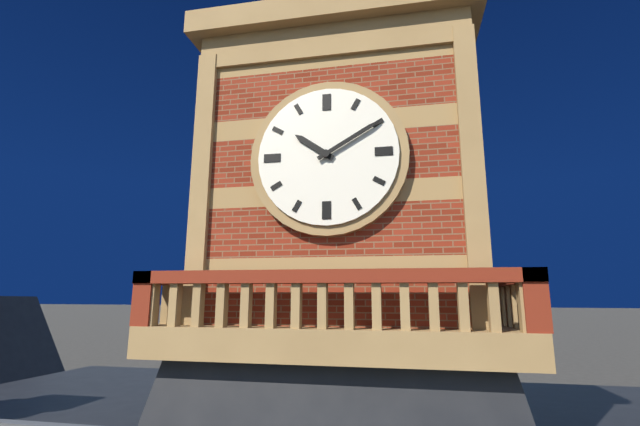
10.10
